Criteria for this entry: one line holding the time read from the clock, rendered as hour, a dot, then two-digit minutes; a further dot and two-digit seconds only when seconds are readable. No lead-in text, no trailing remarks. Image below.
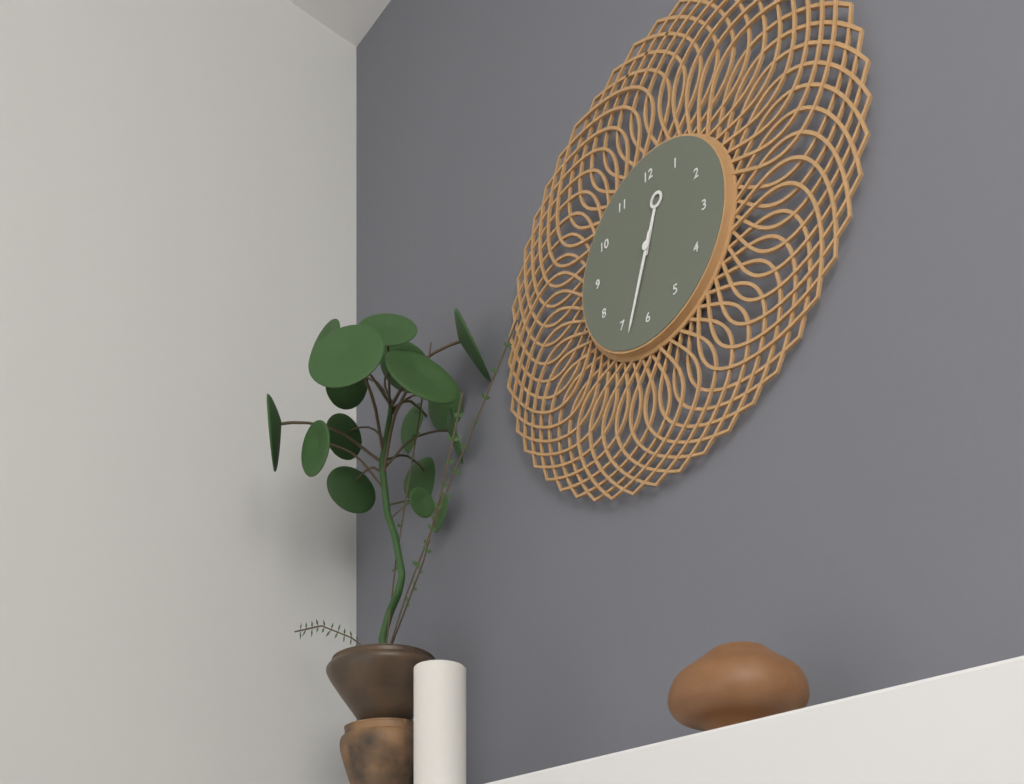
12.33
